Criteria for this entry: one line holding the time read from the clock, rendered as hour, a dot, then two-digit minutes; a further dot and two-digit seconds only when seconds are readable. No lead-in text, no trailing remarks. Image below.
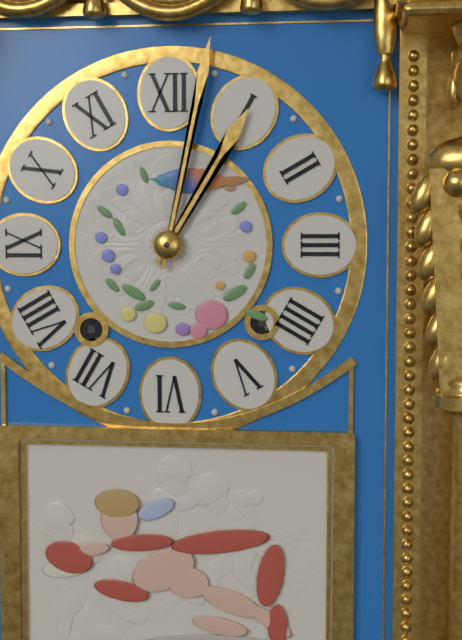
1.02
